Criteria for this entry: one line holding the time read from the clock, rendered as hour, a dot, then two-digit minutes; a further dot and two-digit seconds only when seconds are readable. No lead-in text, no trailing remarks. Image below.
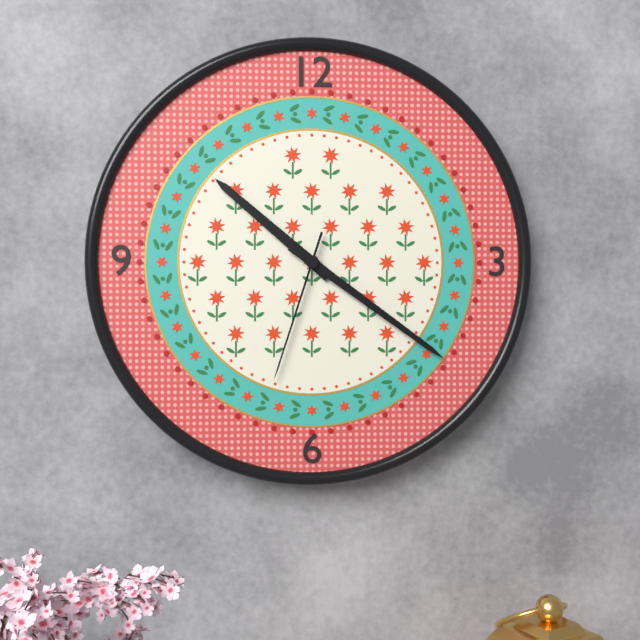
10.21.33
